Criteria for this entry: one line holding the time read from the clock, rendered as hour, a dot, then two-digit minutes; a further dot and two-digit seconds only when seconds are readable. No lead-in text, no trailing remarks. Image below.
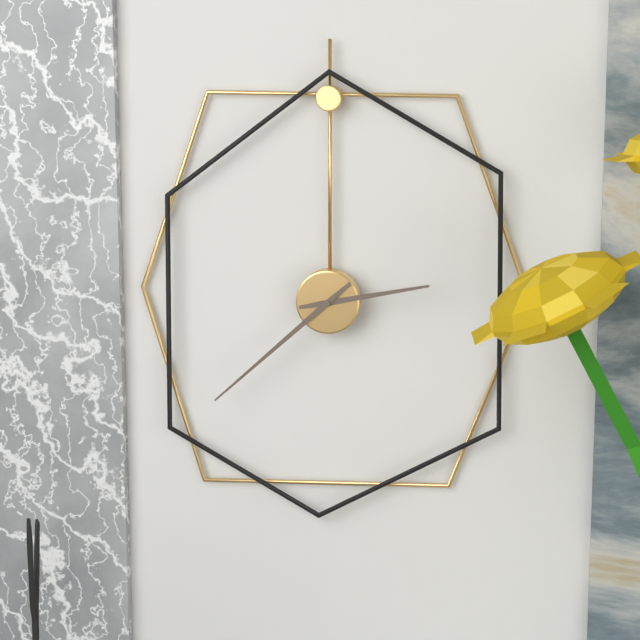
2.38
